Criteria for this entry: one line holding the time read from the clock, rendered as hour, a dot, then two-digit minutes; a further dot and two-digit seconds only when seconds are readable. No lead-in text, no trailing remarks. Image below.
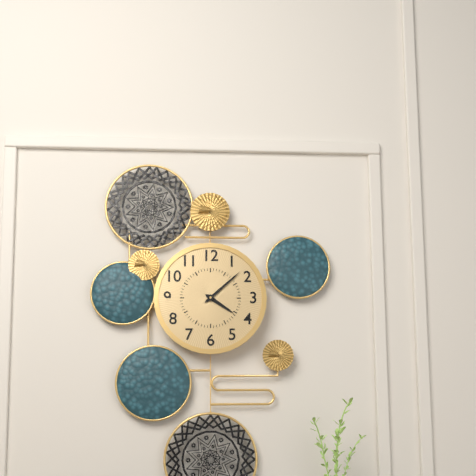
4.08
